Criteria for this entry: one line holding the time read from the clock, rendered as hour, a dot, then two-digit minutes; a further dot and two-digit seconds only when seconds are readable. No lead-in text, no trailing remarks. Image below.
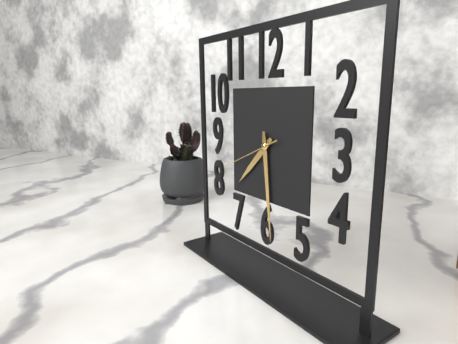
7.29.41
